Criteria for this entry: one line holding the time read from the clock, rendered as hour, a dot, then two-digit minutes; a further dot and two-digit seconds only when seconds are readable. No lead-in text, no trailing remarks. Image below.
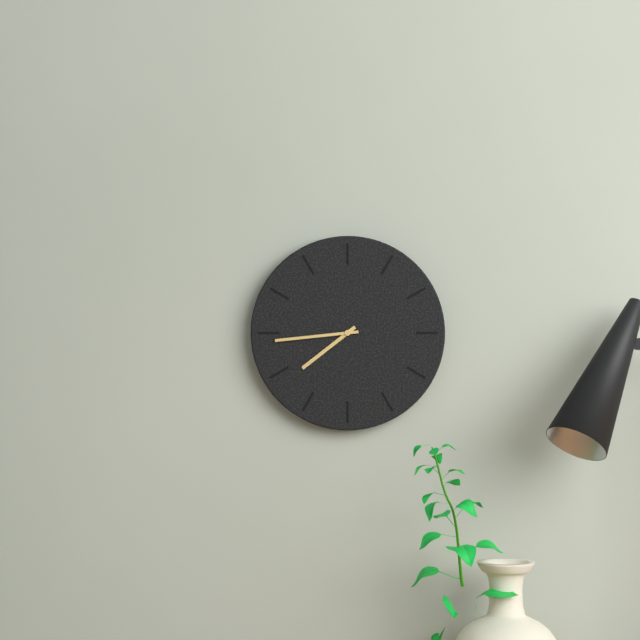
7.44
